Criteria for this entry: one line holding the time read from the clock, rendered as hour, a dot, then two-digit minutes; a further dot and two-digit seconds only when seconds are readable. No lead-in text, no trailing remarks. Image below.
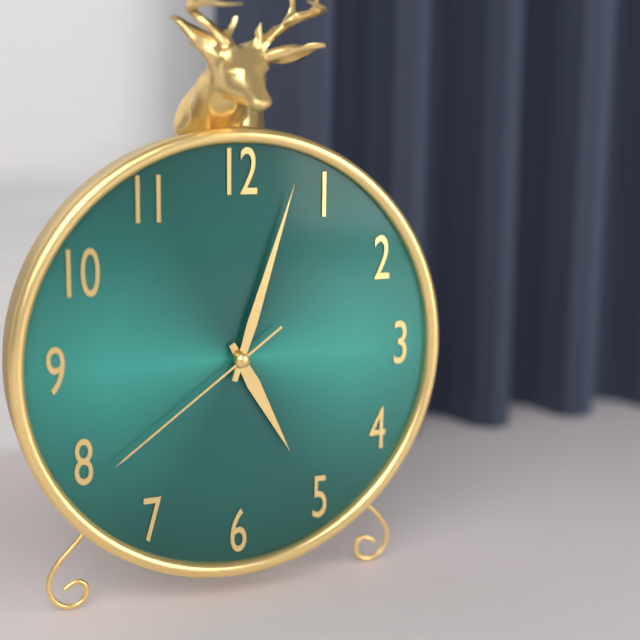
5.03.39
